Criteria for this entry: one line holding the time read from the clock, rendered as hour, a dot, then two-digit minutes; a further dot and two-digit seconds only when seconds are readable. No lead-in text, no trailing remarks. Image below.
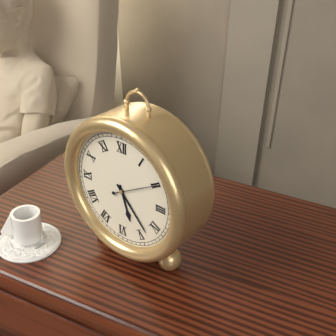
5.23
